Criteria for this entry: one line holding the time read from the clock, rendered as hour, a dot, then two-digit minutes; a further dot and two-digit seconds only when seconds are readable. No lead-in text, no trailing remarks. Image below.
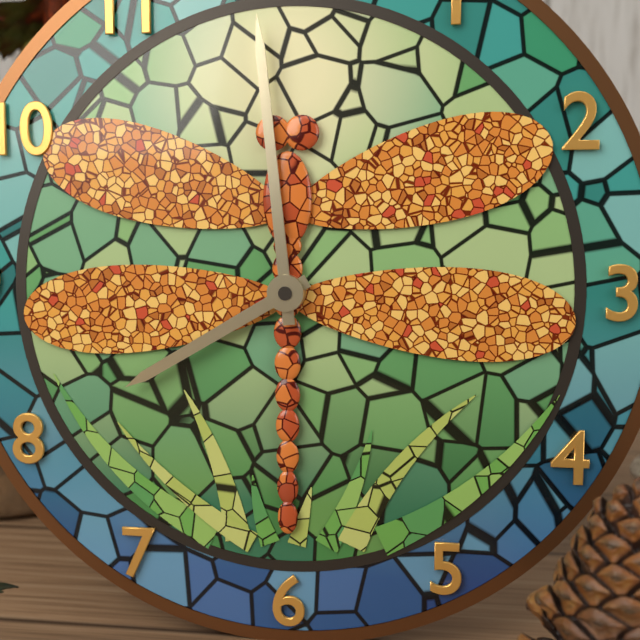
7.59
